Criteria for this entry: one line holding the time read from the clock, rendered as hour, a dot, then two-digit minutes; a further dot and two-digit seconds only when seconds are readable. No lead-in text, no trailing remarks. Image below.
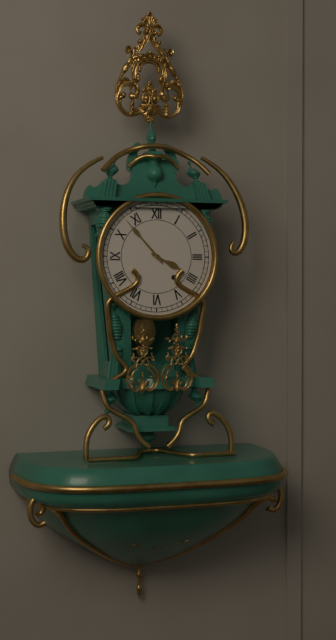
3.53
